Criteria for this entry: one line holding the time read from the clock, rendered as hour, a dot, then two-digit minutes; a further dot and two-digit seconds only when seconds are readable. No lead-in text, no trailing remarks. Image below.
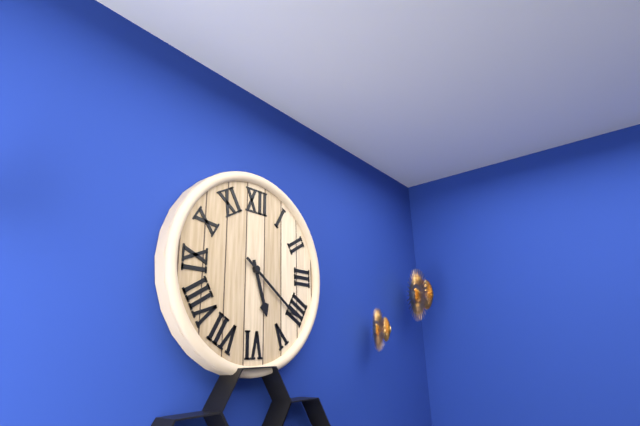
5.21
